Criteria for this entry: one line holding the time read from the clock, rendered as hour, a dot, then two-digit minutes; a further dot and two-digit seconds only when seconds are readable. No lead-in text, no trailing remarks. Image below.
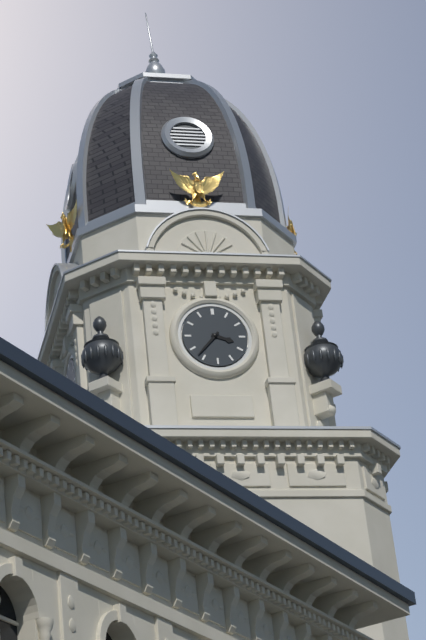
3.37
